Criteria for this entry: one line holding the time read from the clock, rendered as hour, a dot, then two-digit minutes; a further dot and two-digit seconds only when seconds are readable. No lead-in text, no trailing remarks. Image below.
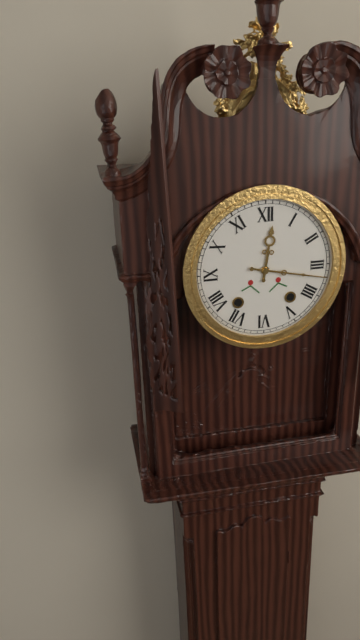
12.17
